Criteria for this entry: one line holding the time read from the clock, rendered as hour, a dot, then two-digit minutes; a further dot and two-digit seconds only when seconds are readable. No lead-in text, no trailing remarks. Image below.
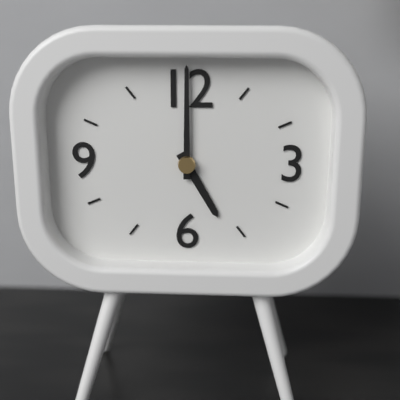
5.00
